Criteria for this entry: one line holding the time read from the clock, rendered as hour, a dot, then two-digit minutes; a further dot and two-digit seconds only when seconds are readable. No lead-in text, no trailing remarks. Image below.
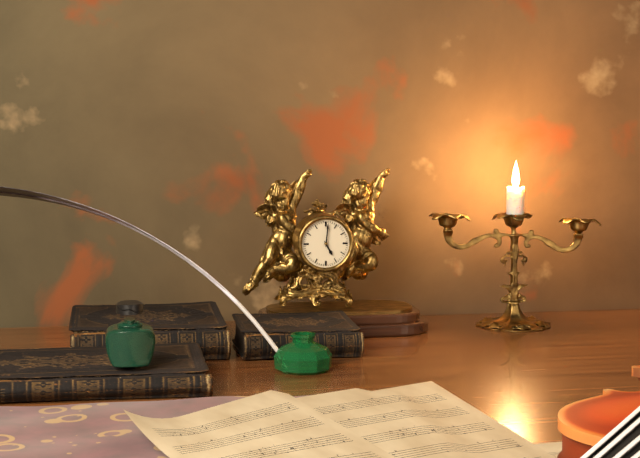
5.01
